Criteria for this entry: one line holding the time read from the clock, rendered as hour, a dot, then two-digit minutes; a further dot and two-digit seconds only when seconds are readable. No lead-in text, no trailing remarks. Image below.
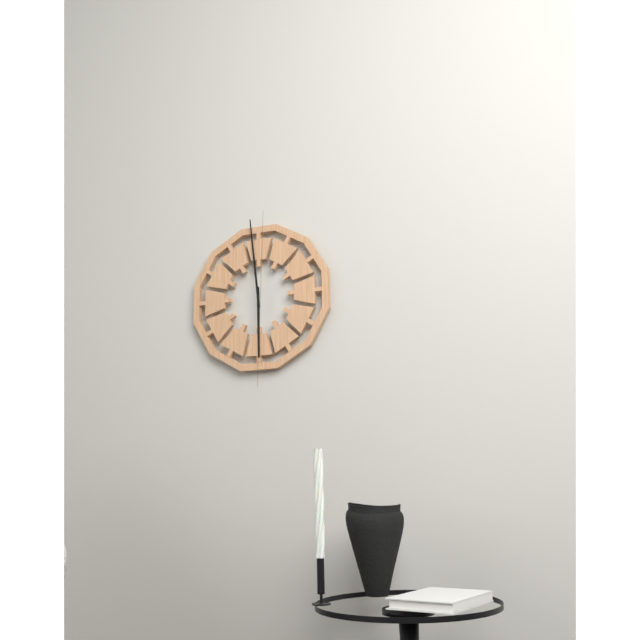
5.59
